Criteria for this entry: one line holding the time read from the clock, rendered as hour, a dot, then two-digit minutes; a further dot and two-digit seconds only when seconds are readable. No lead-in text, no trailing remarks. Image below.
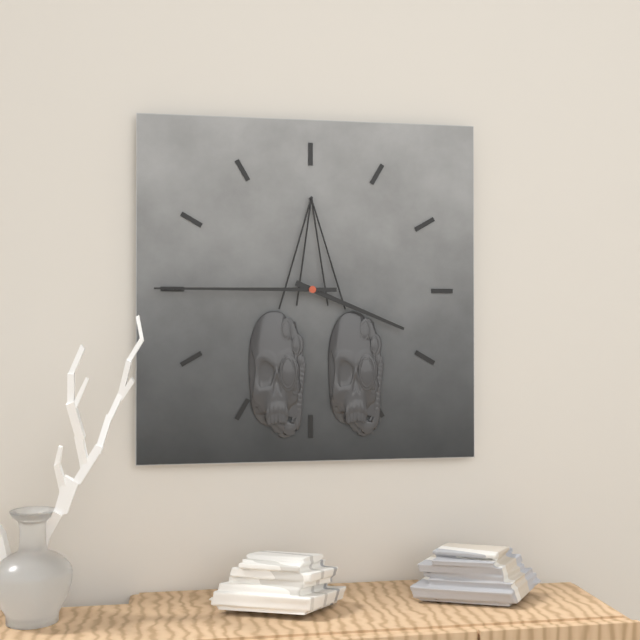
3.45
